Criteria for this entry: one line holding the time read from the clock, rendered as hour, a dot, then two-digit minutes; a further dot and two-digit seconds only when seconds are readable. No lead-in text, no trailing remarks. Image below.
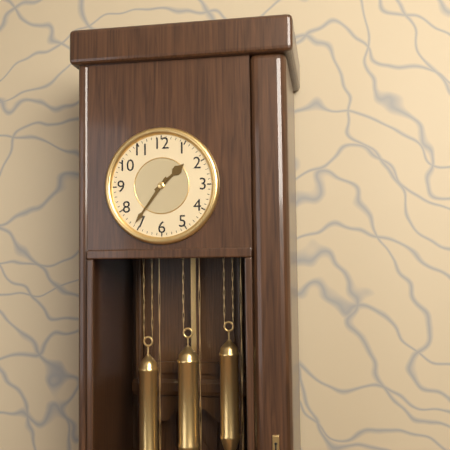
1.36
